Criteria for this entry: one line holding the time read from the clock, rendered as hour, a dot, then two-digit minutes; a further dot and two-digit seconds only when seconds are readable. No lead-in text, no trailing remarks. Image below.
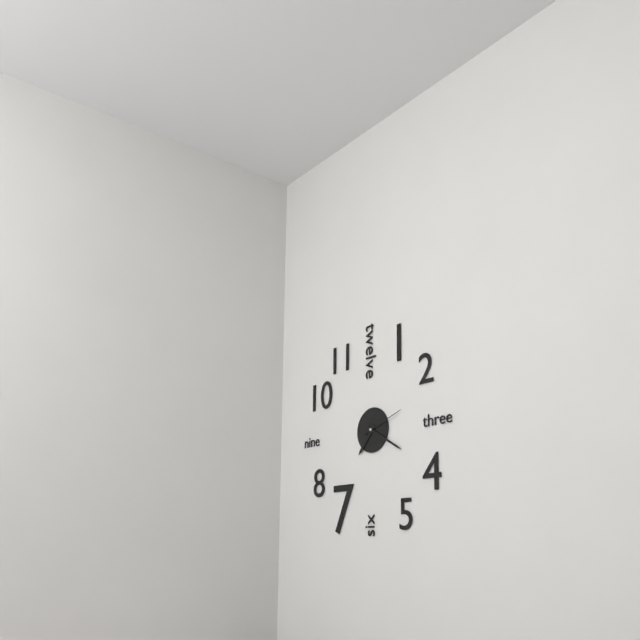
7.20
